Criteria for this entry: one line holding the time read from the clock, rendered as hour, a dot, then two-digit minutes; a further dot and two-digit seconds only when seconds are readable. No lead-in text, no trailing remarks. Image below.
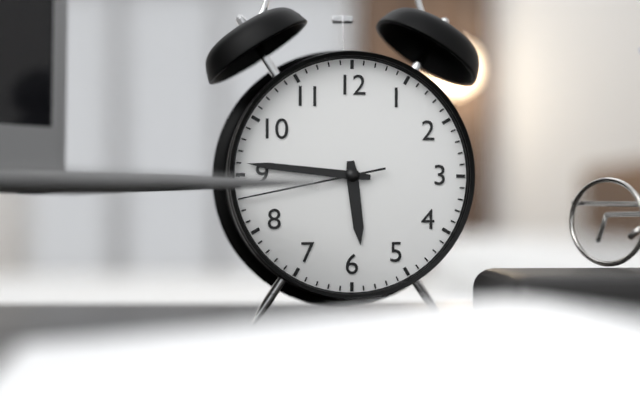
5.46.43
